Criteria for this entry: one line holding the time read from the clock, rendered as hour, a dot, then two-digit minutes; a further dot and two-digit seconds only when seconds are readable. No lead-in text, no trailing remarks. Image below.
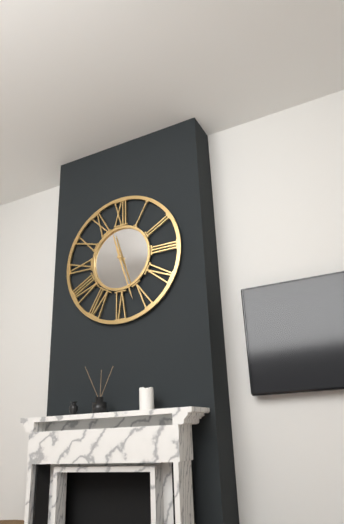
11.27
